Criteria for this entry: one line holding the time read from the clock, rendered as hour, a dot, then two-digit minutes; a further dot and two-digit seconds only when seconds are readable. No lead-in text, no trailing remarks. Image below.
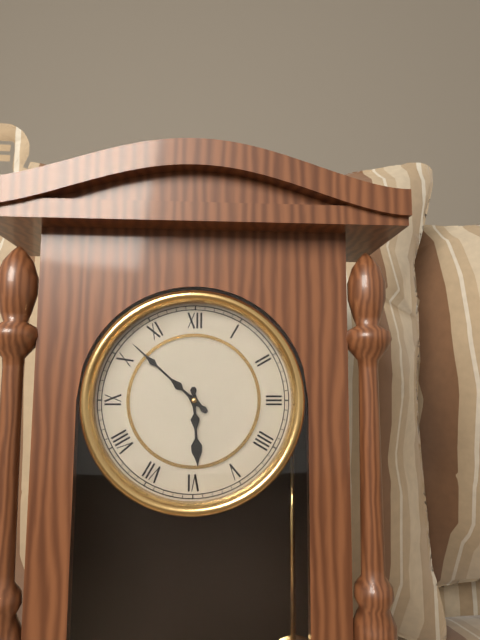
5.52
